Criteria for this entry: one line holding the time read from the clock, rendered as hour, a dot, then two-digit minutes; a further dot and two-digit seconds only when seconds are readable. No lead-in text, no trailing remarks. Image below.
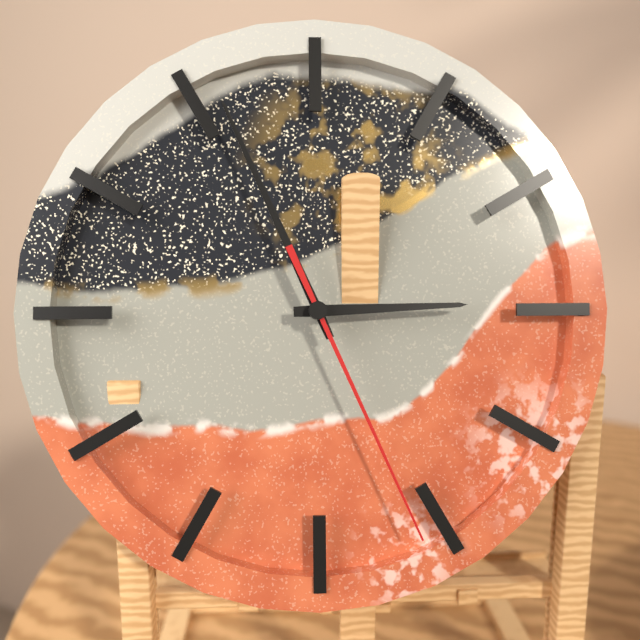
2.56.26
